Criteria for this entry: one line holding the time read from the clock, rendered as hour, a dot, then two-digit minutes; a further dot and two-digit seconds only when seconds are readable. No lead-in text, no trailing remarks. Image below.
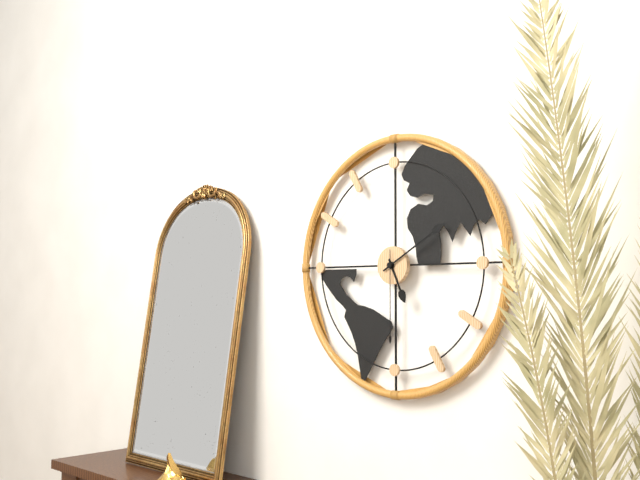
5.10.30
